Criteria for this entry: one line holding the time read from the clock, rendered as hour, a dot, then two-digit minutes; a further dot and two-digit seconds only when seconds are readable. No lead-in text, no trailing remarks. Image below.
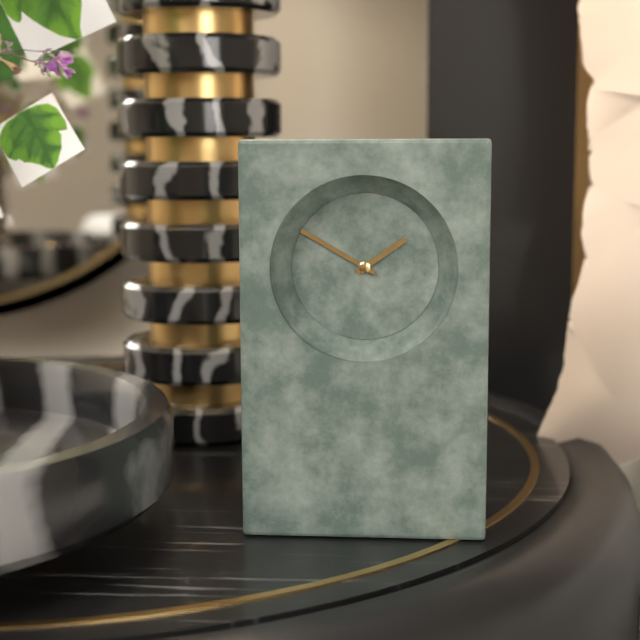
1.50
